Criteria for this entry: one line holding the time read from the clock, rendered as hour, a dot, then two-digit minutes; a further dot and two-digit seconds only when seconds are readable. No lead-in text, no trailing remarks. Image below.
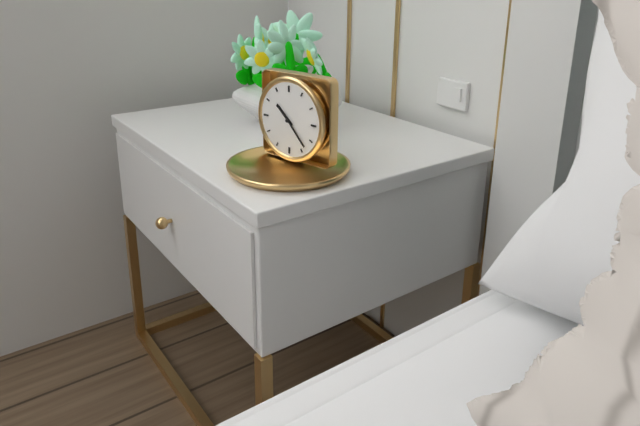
10.23
